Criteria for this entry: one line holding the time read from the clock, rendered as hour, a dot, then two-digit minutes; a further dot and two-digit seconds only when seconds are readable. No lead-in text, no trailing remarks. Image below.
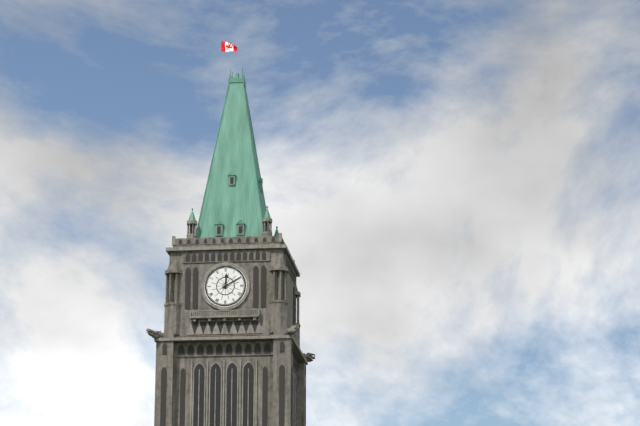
12.10
